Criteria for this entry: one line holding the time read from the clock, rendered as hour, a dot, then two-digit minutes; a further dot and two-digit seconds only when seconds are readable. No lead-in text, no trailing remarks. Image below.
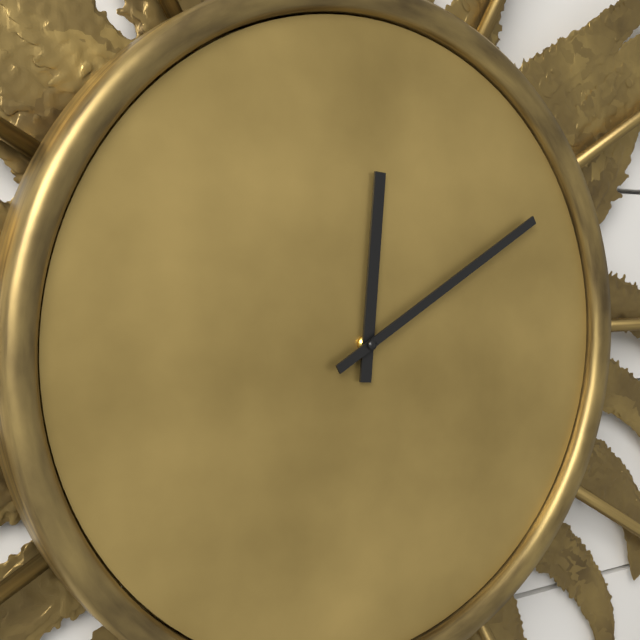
12.10
